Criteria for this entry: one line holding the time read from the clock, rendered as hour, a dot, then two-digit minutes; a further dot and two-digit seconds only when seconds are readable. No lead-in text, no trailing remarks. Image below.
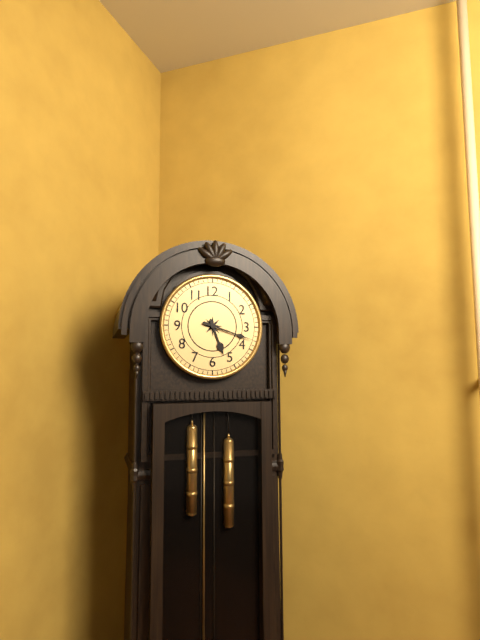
5.18
